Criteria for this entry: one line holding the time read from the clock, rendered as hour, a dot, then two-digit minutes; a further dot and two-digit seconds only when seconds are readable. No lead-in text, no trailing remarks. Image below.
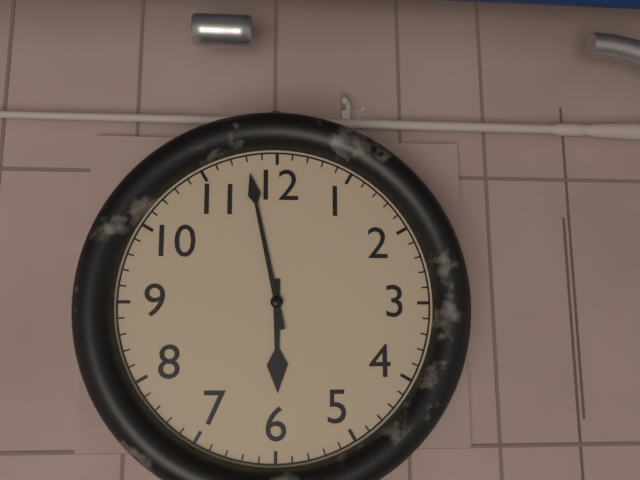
5.58
